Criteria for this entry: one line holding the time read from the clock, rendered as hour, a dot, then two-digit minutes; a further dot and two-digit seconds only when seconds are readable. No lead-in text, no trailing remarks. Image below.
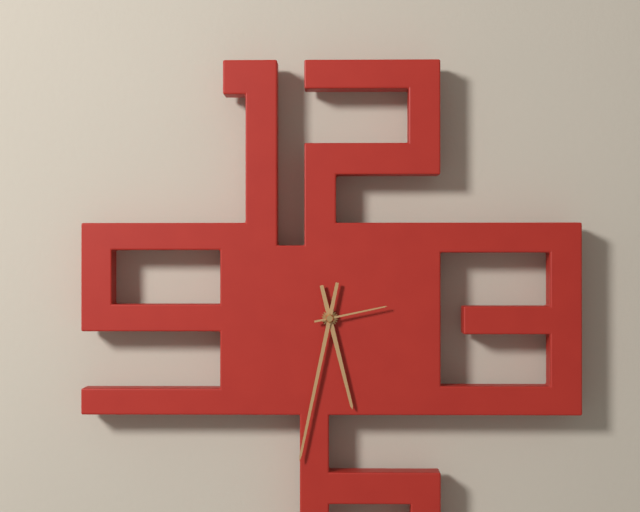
5.32.13
